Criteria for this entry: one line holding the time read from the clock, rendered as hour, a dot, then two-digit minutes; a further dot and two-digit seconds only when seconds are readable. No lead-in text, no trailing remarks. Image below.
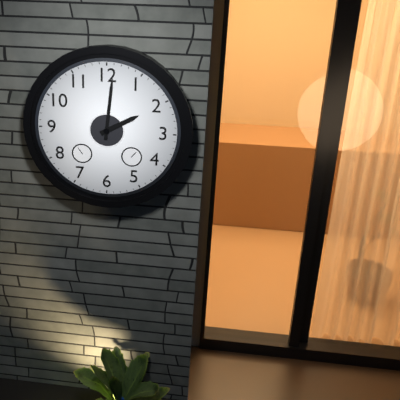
2.01
